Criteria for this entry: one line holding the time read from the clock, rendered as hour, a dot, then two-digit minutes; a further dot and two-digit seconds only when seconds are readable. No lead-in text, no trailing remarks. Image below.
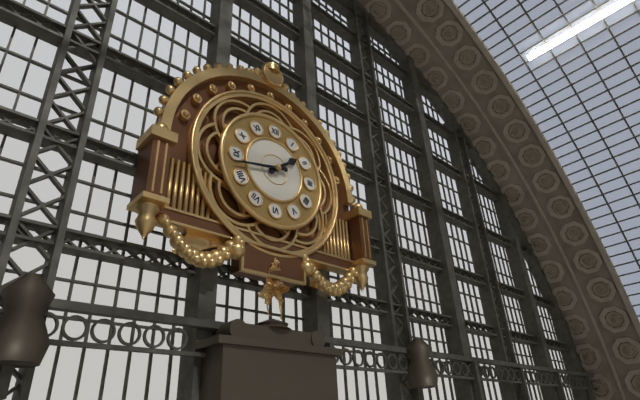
1.43
